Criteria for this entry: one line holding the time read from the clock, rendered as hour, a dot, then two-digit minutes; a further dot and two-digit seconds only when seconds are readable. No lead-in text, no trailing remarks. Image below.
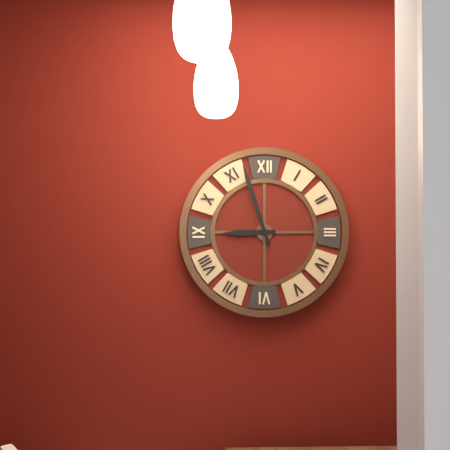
8.57
